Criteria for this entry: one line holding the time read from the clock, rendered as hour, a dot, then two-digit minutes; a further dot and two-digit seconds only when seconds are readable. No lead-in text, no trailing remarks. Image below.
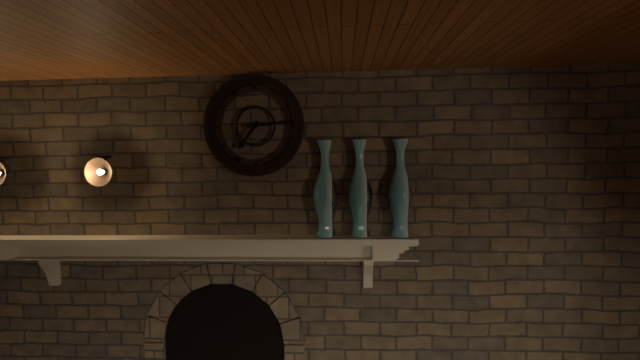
7.14
